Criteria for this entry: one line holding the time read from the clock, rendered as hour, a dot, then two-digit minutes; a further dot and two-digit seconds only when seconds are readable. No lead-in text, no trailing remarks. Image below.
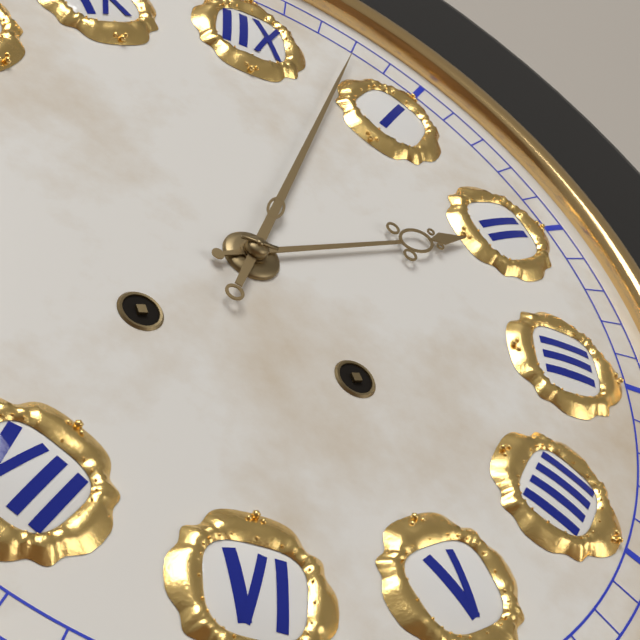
2.03
